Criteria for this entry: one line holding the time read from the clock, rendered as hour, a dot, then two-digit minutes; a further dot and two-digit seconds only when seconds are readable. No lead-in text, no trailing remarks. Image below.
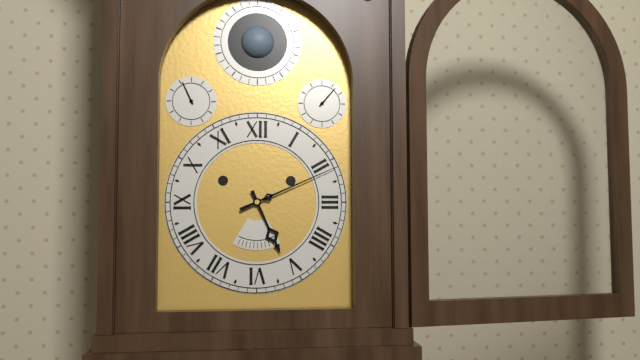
5.11
